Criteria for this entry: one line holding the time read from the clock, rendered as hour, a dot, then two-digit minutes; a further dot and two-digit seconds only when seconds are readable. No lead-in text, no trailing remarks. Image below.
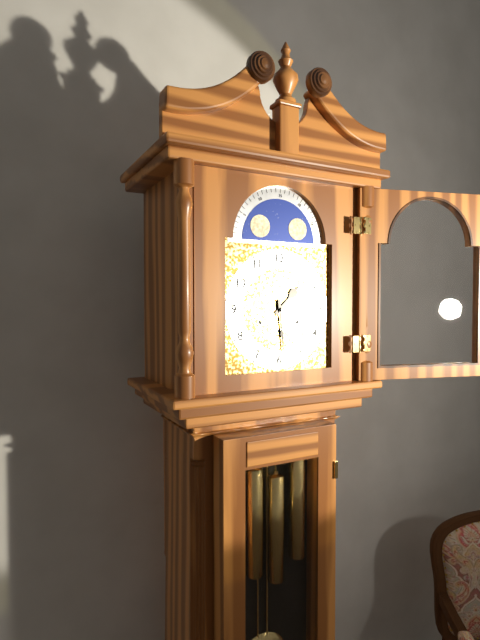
1.29
